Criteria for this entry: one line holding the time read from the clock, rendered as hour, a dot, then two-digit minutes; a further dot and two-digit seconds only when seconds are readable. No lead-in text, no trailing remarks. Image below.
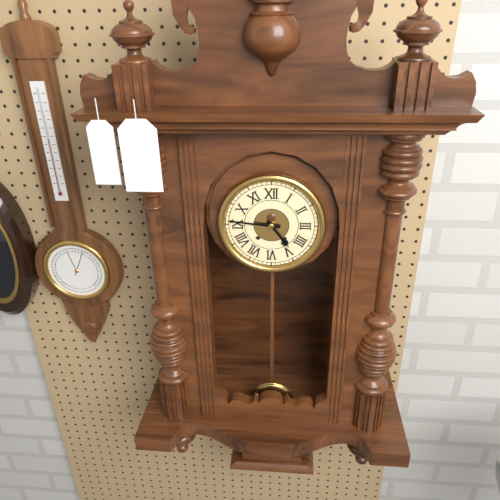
4.46
